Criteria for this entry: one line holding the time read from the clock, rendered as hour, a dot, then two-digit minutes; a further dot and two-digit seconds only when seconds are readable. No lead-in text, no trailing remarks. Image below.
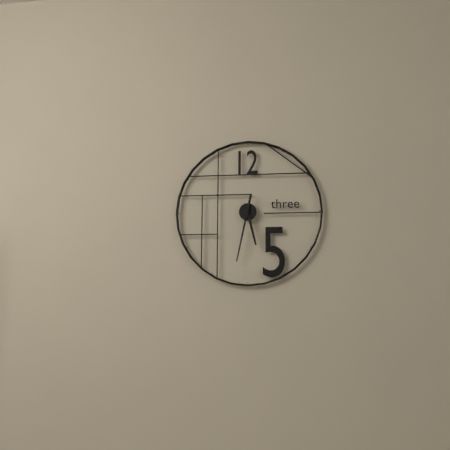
5.32
